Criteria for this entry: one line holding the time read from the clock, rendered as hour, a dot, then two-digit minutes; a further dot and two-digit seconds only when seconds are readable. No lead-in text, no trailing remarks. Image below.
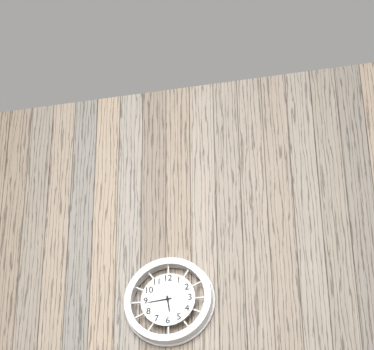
5.44
